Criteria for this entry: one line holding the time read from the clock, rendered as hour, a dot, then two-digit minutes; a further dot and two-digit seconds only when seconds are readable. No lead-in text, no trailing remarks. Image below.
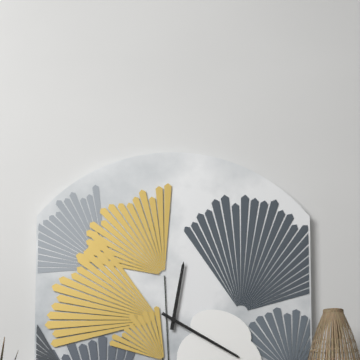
12.20
